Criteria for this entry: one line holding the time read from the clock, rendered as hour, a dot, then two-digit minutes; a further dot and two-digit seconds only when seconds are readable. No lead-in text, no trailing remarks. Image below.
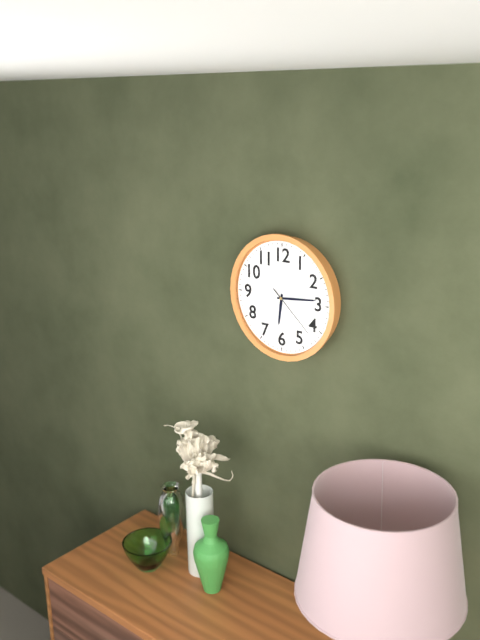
6.14.22
